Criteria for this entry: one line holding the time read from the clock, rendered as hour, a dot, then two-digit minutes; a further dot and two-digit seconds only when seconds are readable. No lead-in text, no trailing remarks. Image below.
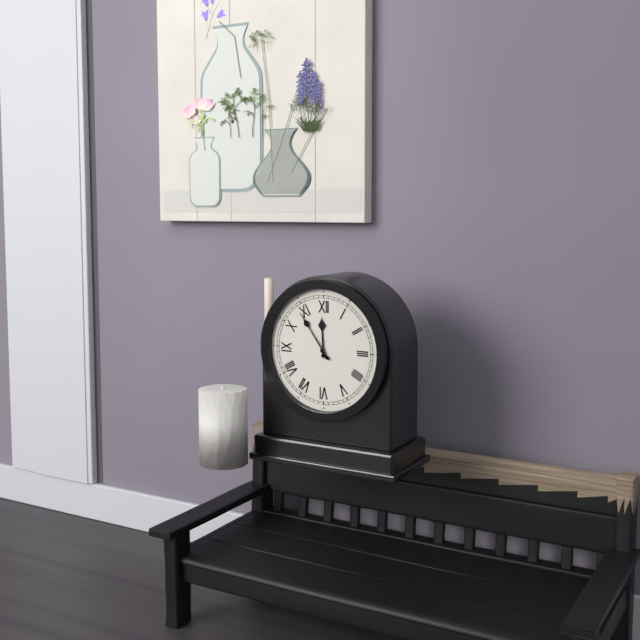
11.54
